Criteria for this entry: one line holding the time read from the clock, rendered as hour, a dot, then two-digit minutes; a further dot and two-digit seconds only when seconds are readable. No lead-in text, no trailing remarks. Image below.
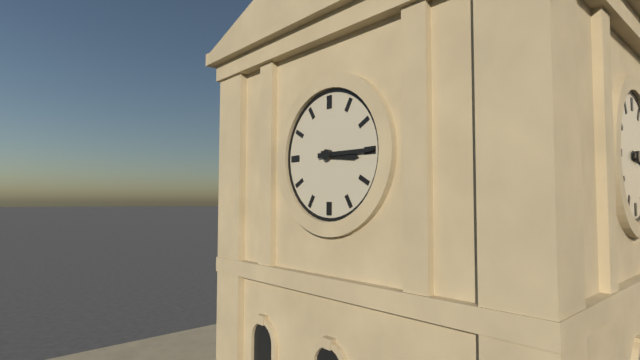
3.15
